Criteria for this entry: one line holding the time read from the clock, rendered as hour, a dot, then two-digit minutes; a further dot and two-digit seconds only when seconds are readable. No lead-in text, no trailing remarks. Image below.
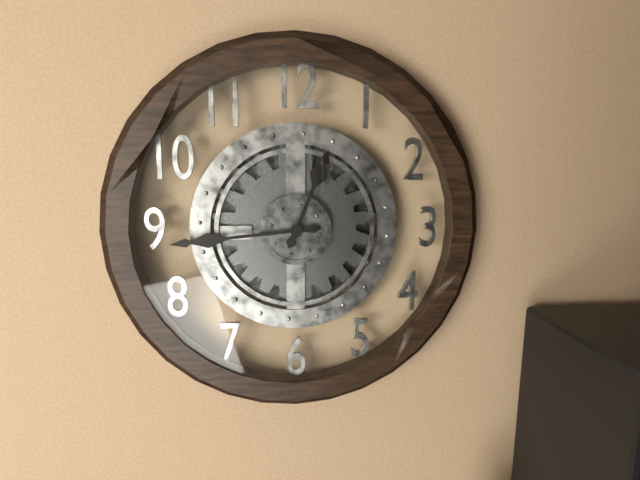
12.44
